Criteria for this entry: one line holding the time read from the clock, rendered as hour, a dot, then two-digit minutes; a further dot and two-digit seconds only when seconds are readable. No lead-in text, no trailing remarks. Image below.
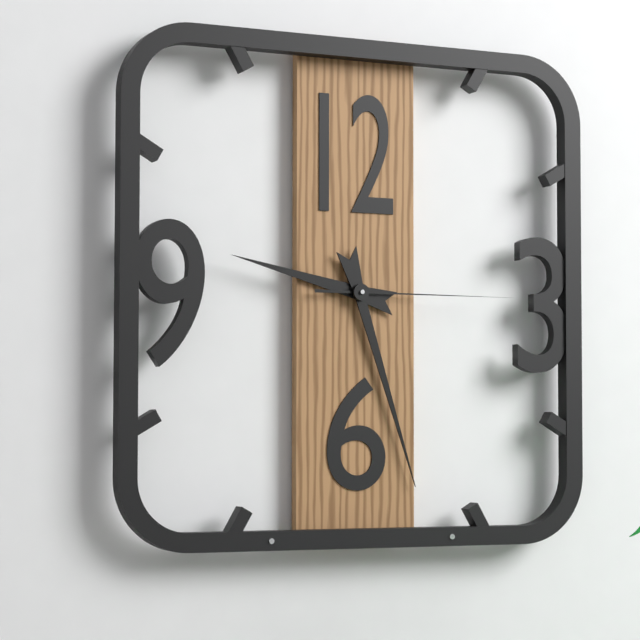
9.27.15
